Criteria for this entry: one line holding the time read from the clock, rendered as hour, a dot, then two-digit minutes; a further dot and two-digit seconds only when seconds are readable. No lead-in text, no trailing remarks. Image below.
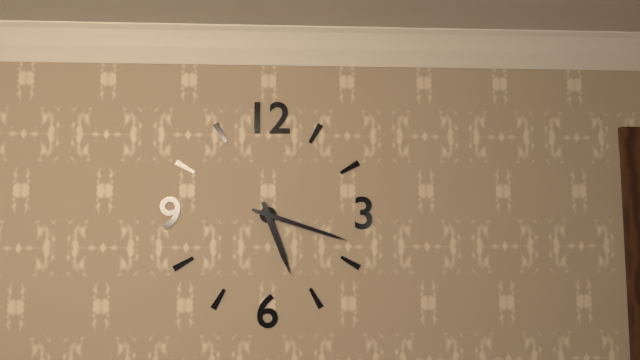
5.18
